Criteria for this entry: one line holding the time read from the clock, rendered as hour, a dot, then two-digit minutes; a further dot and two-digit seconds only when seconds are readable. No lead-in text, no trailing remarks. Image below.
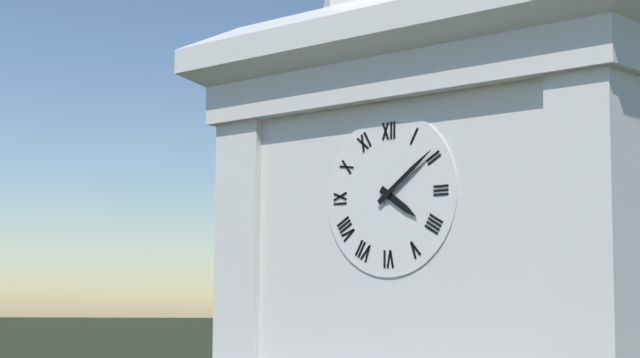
4.09
